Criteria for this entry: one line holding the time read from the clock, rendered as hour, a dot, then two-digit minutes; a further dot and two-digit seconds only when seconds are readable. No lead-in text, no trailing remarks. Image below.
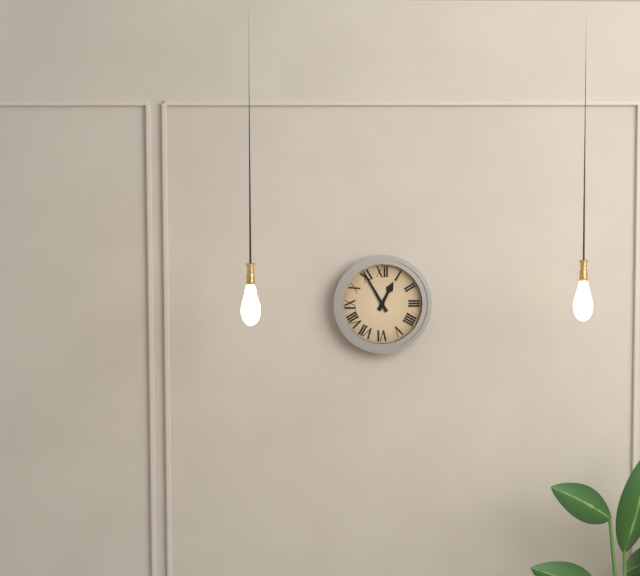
12.55
